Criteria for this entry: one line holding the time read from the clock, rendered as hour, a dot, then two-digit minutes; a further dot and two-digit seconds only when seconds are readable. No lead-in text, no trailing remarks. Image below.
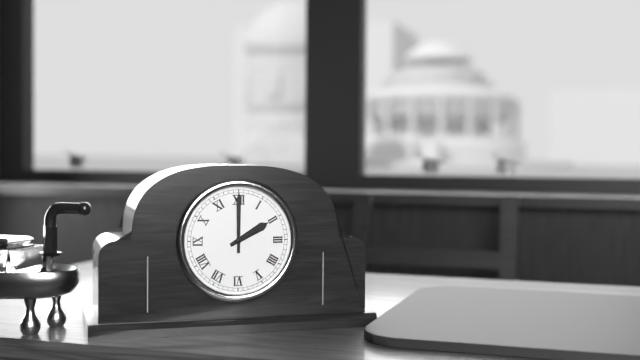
2.00
